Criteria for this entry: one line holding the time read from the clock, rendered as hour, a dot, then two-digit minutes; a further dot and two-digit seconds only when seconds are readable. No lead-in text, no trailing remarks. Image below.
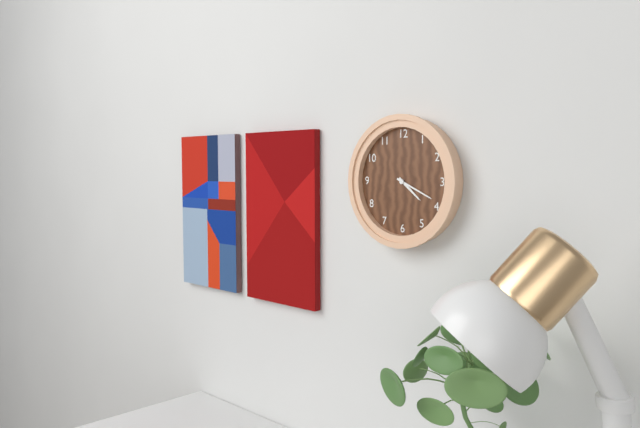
4.19
